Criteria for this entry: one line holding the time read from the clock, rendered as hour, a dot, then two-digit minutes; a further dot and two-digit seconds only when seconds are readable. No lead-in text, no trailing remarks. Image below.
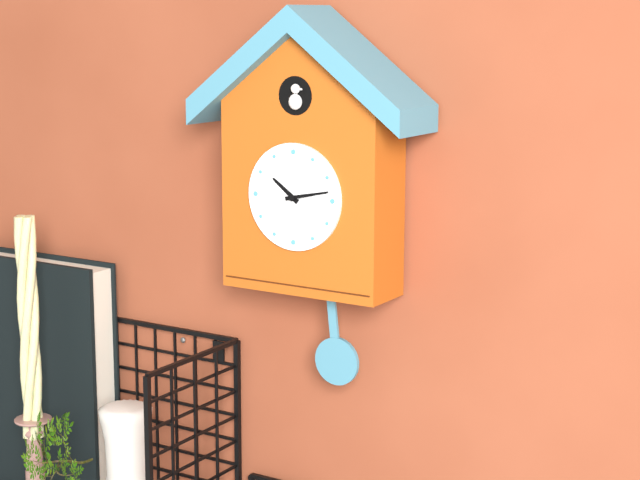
10.13
